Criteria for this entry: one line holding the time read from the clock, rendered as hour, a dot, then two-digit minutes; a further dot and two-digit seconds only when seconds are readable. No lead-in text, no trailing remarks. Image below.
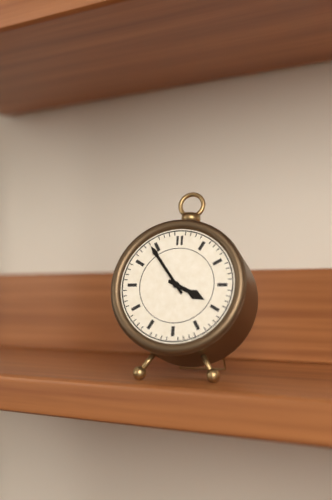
3.54
